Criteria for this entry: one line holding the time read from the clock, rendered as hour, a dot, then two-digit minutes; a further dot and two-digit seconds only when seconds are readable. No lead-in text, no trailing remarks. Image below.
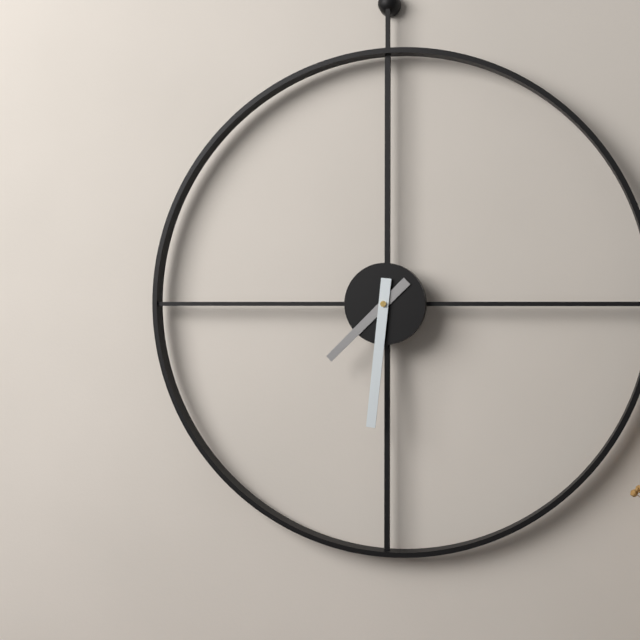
7.31
